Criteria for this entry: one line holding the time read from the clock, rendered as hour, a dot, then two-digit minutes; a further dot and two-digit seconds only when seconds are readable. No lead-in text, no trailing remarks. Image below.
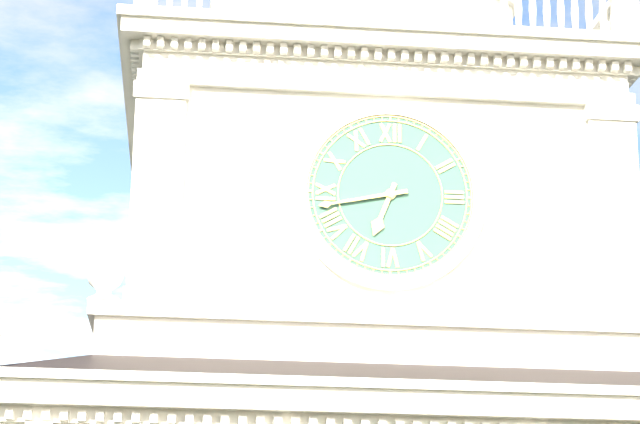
6.43
